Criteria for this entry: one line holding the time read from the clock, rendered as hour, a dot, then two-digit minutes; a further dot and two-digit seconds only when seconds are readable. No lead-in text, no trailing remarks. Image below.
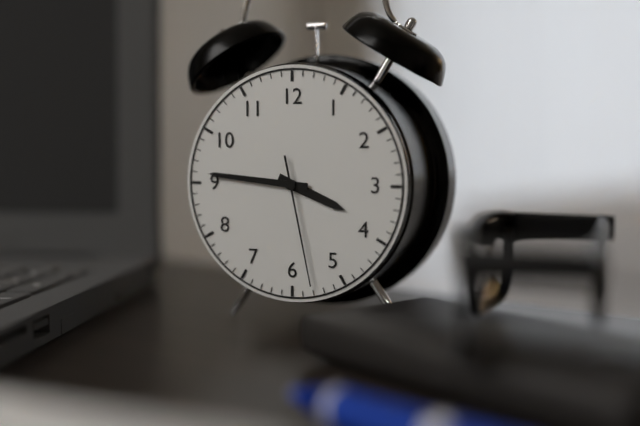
3.46.28
